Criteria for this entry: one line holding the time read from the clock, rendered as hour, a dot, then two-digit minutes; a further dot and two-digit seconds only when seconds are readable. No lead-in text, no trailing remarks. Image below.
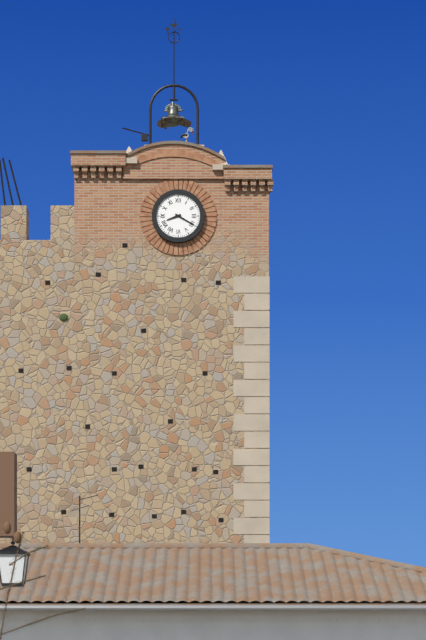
8.20
